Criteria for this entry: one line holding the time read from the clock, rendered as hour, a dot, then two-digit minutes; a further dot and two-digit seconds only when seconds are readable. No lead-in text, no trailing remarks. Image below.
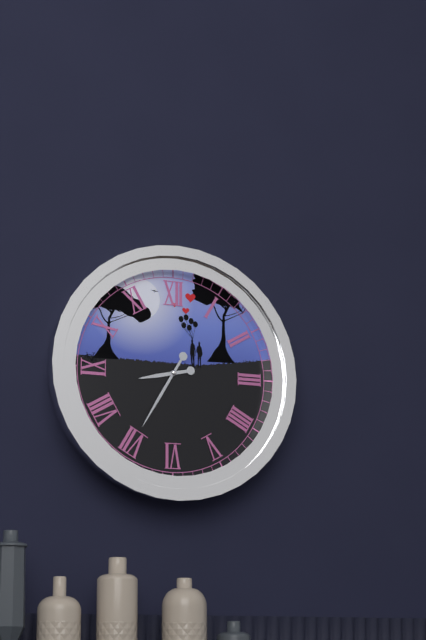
8.35.35
